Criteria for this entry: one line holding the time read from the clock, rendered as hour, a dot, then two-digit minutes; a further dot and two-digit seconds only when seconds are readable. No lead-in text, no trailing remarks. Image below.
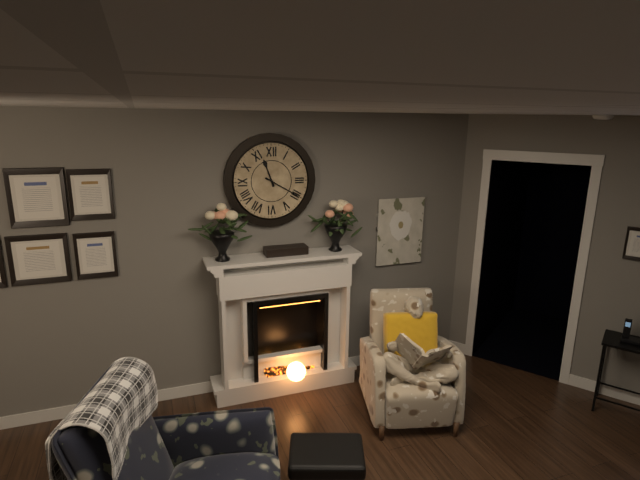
11.20
